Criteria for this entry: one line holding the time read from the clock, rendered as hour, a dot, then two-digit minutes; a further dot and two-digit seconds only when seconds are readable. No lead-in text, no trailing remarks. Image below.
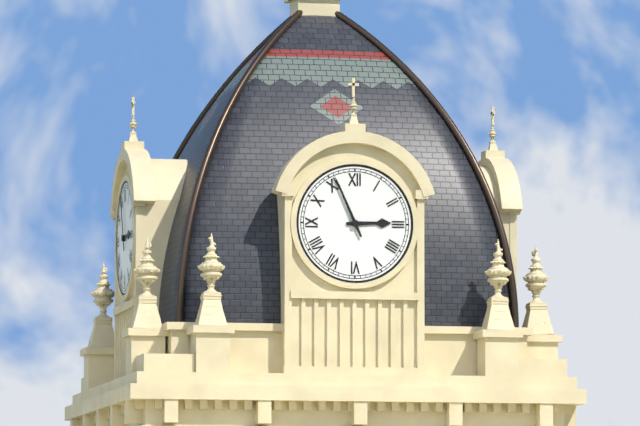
2.56
